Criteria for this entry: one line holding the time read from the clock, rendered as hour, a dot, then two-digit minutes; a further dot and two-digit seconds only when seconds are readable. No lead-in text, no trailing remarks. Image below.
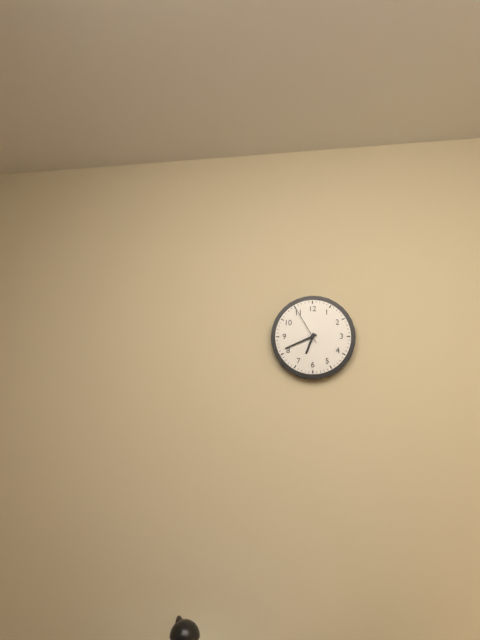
6.41
